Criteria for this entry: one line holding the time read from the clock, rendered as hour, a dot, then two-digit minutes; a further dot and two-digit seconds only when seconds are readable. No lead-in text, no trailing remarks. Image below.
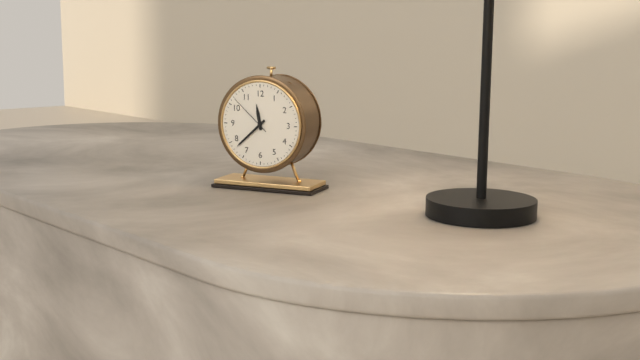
11.38
